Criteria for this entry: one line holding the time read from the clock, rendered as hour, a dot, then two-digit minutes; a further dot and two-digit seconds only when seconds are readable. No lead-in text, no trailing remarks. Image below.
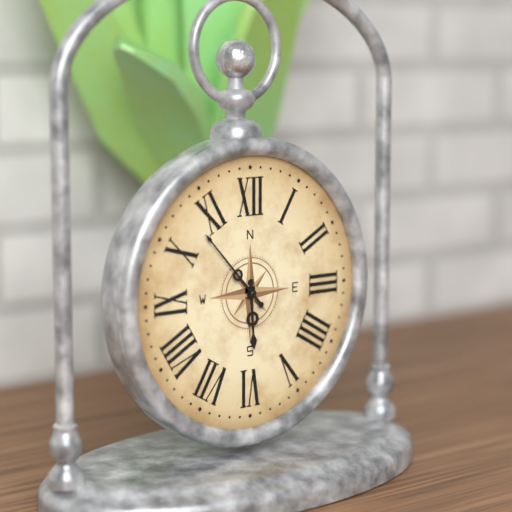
5.53
